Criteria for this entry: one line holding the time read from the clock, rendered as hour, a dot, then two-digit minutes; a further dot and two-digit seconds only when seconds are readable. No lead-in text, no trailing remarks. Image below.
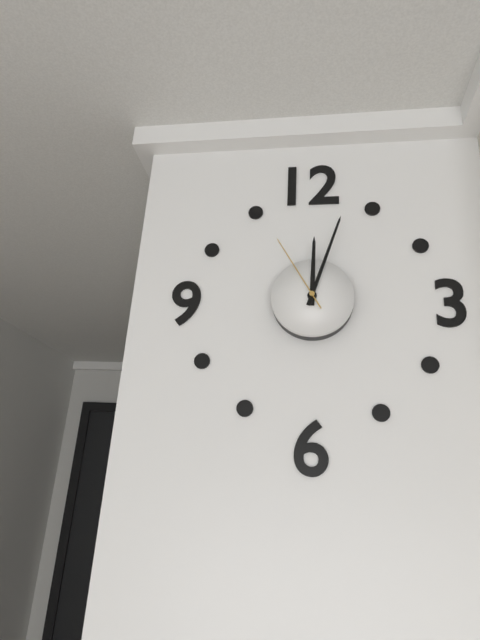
12.03.55
